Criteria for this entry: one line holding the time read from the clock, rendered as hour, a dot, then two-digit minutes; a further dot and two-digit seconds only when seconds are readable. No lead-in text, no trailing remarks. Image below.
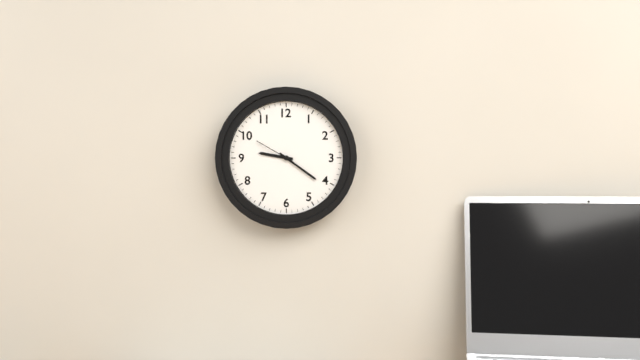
9.21
